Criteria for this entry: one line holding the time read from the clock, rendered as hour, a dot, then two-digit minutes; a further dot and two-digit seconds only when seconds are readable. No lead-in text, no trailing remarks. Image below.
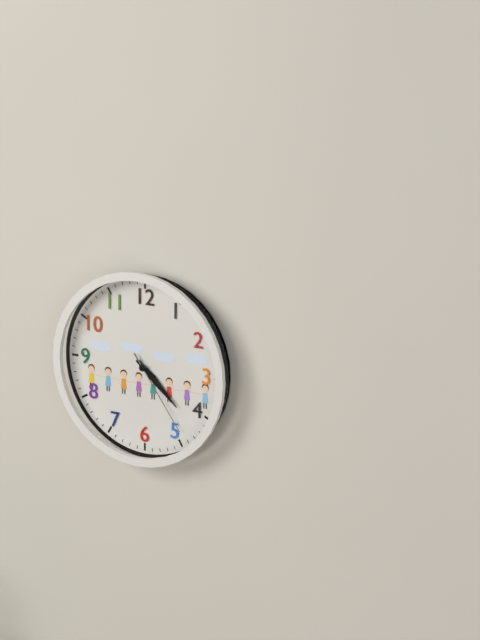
4.22.24
